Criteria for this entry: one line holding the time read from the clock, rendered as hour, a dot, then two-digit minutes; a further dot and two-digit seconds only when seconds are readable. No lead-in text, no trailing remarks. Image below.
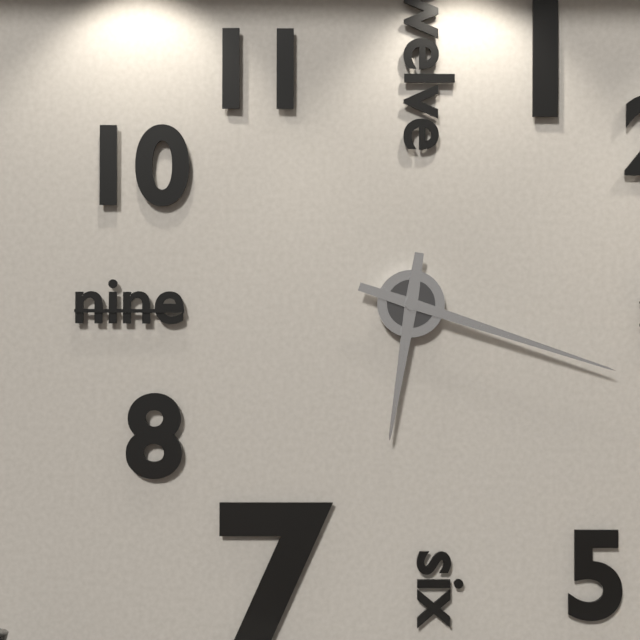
6.18
